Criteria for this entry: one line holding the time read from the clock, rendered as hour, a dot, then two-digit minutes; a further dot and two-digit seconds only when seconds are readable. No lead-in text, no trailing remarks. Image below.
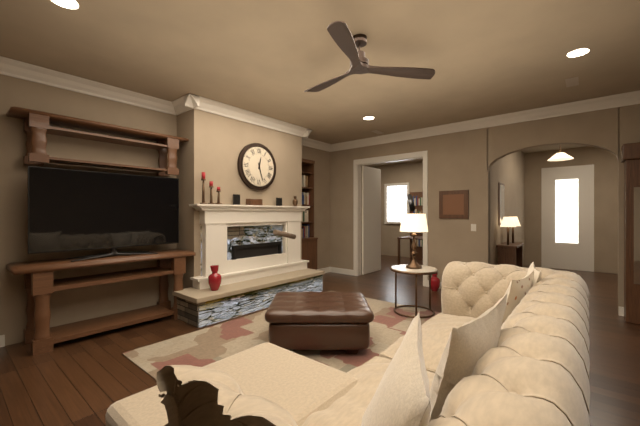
12.27
